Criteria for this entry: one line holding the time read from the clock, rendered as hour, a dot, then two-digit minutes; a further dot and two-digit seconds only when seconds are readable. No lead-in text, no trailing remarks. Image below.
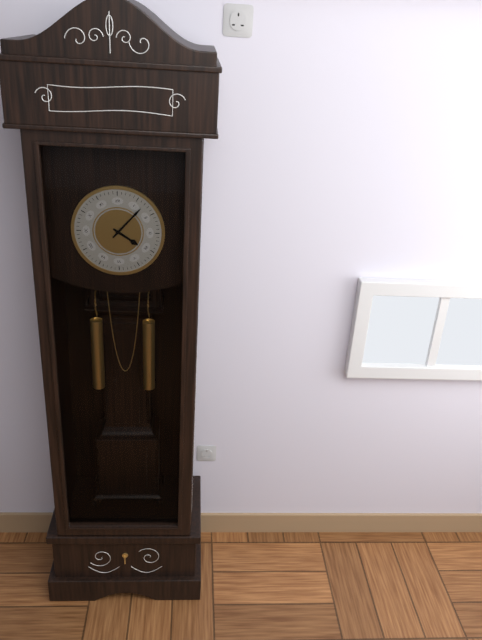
4.07
